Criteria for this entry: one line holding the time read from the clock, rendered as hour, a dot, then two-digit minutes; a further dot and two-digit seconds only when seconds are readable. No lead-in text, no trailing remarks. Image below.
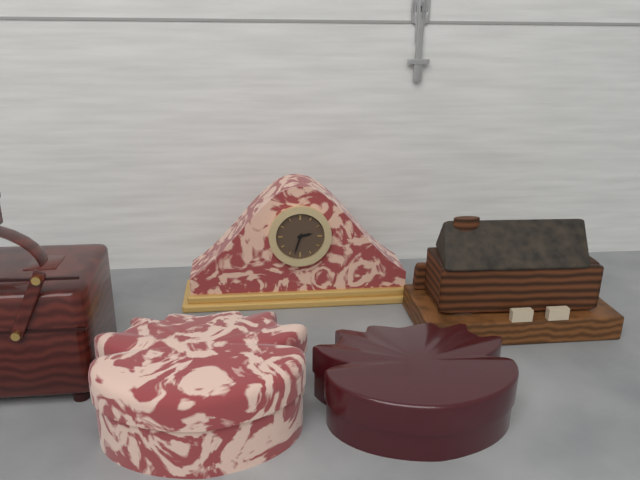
2.33
